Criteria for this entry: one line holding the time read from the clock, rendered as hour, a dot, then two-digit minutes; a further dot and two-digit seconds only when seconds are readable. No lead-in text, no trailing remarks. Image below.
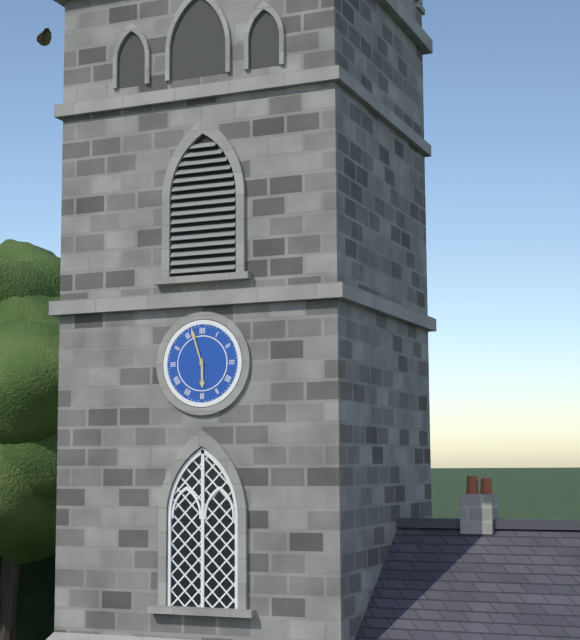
5.57
